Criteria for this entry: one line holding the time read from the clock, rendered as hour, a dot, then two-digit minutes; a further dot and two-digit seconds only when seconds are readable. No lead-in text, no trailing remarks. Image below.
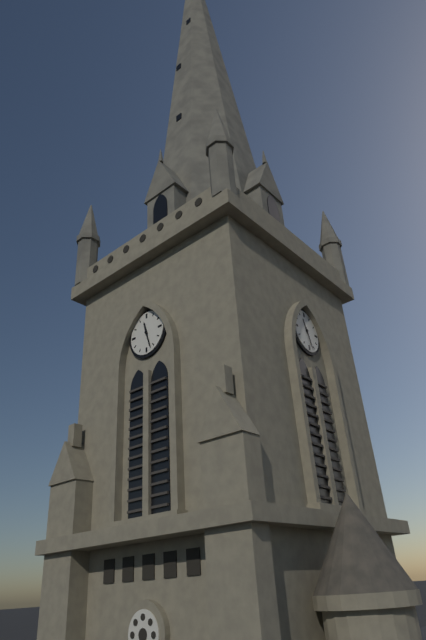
11.27
